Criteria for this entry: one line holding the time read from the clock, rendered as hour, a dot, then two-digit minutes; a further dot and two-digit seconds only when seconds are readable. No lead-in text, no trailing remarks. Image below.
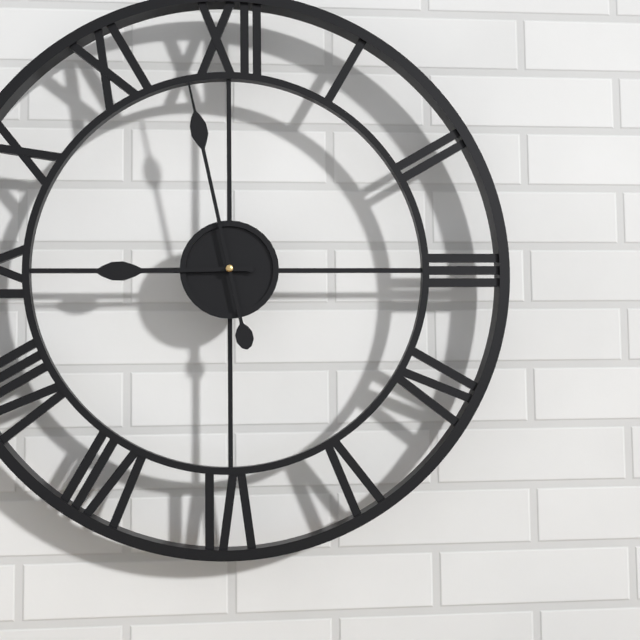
8.58
